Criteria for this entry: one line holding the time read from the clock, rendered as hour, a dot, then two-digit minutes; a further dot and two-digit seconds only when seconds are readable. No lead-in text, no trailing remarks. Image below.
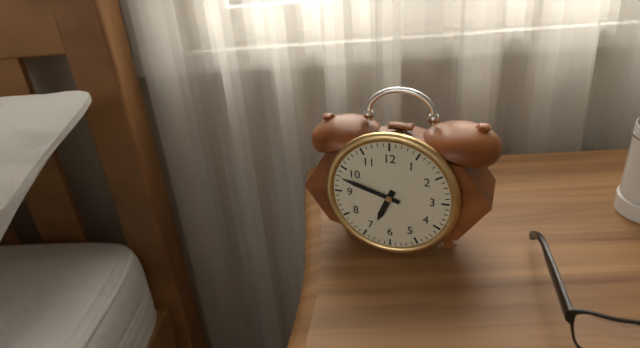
6.48
